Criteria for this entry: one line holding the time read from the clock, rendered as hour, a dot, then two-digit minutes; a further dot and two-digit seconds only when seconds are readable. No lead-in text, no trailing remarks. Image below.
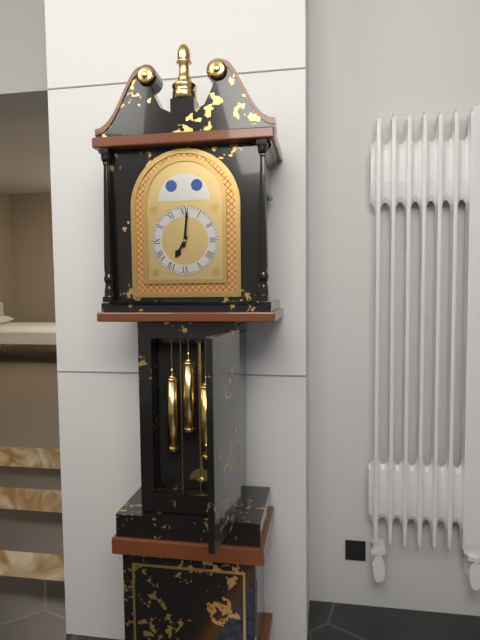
7.01
